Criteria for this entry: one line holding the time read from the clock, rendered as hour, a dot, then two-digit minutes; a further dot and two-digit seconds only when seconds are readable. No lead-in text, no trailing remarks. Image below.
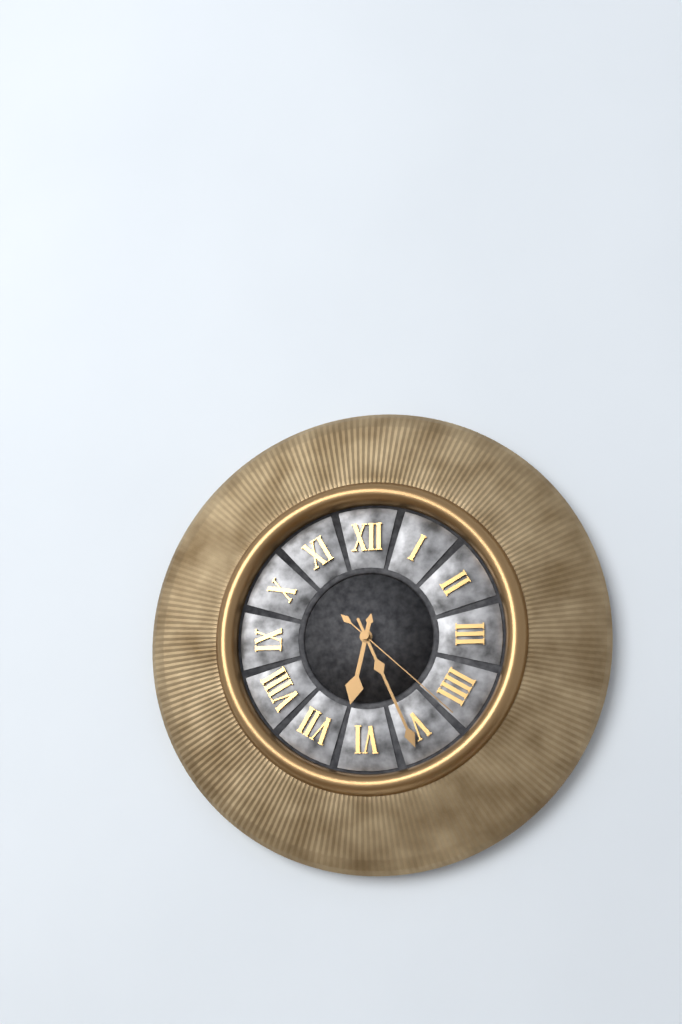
6.26.22
